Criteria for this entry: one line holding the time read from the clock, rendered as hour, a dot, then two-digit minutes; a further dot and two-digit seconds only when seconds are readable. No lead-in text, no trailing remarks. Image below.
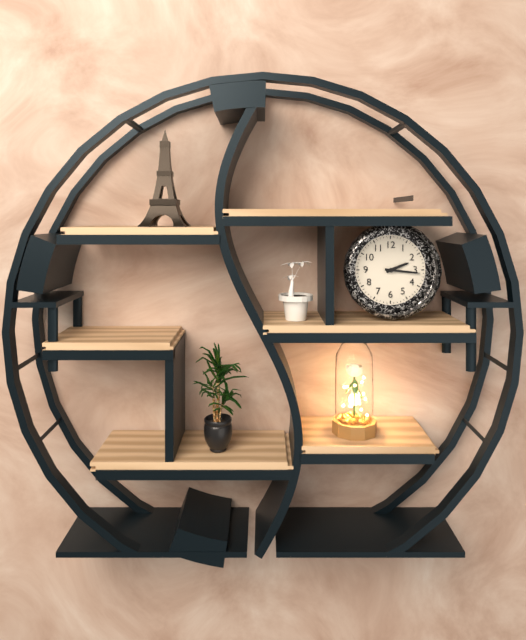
2.16
